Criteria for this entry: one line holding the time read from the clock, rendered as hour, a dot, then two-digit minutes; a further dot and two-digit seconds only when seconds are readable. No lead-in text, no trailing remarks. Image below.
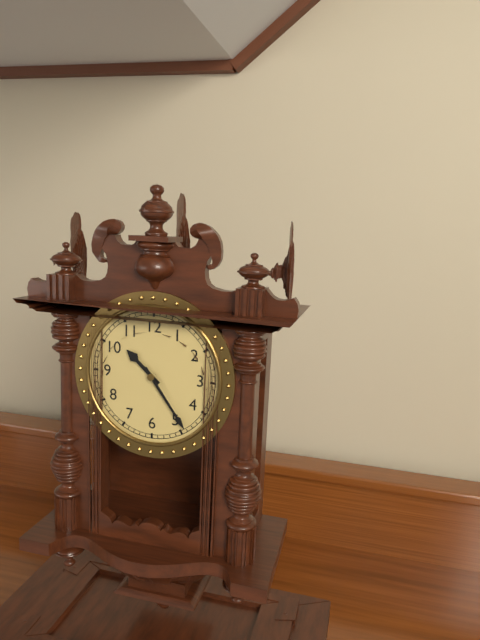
10.24
